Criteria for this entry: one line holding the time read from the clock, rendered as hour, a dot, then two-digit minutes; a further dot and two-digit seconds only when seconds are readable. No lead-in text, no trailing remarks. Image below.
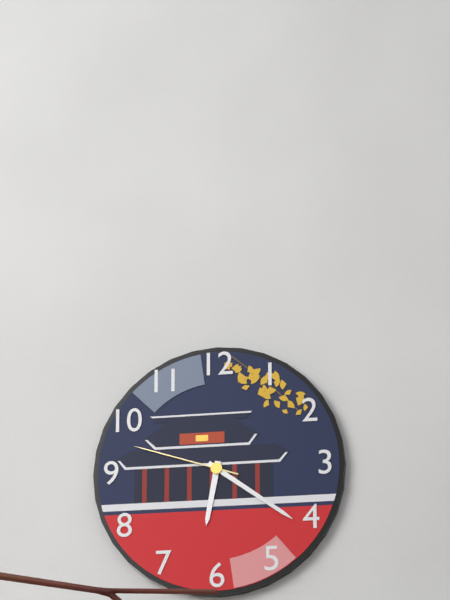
6.21.48
